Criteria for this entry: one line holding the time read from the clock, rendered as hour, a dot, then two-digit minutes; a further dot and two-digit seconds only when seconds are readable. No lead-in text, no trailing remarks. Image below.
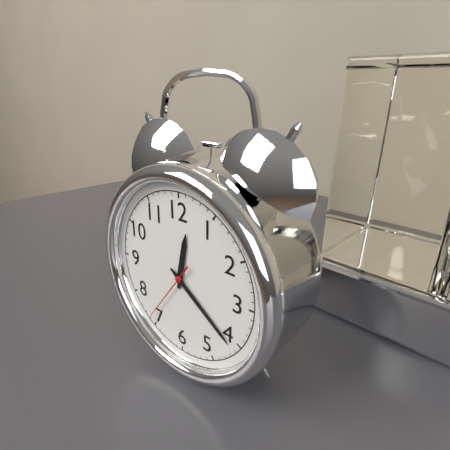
12.21.36
